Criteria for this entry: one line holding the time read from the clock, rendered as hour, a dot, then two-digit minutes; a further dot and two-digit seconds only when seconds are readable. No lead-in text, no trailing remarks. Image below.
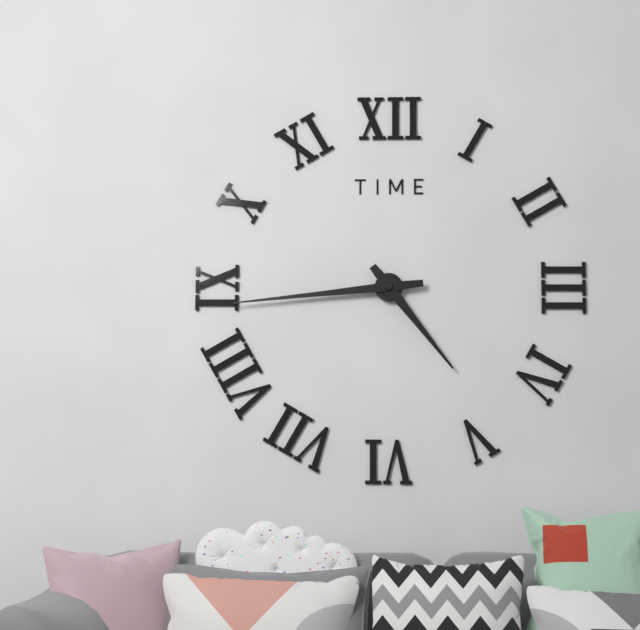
4.44
